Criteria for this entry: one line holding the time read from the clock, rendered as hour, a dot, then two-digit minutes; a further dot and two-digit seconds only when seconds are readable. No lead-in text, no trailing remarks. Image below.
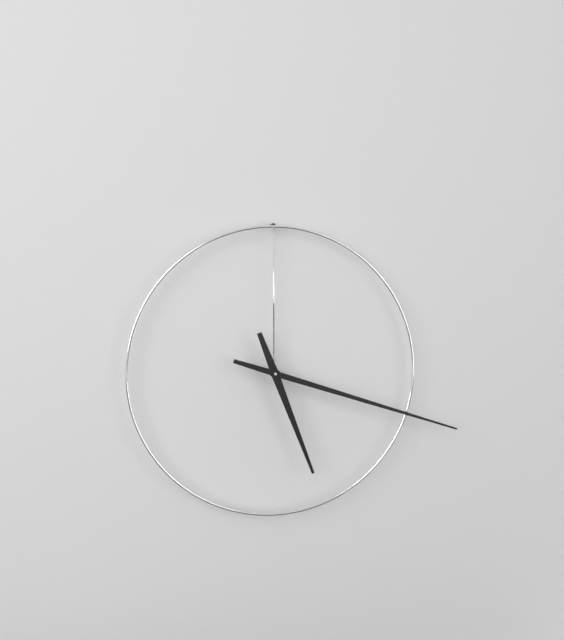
5.18
